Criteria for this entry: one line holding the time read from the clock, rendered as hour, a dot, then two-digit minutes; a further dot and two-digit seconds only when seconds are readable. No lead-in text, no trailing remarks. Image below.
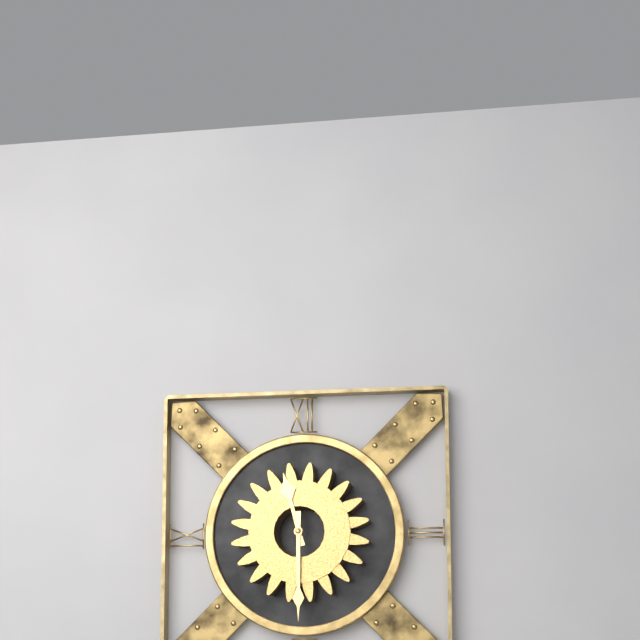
11.30
